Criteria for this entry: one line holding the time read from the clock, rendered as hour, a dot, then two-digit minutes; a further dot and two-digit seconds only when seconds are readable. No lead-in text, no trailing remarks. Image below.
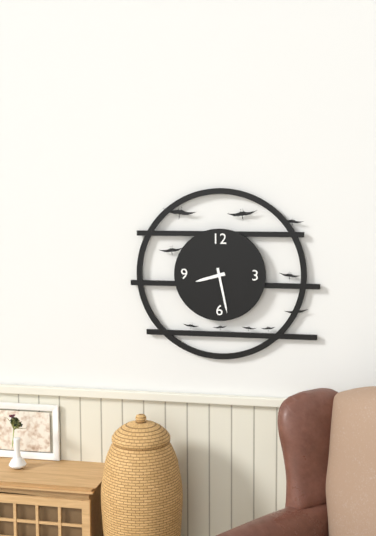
8.28
